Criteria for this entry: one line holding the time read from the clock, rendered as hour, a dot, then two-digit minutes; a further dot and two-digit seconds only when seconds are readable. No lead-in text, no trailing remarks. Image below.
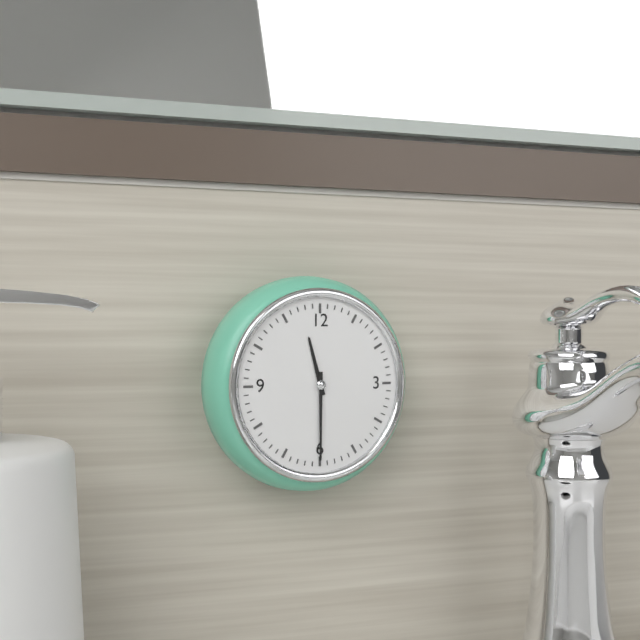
11.30
